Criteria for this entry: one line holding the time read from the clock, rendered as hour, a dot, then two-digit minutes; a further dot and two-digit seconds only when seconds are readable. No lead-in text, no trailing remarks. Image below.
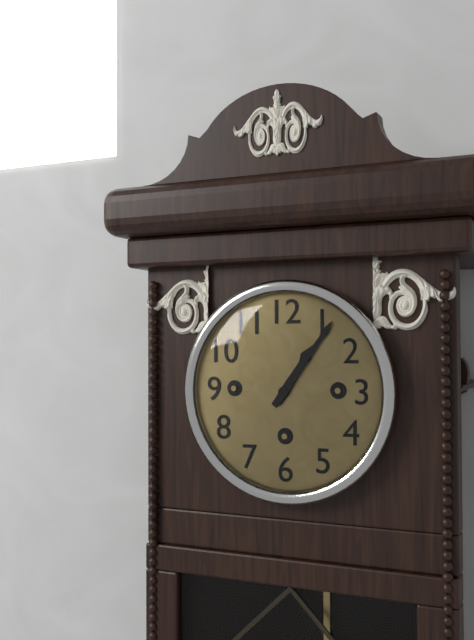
1.06
